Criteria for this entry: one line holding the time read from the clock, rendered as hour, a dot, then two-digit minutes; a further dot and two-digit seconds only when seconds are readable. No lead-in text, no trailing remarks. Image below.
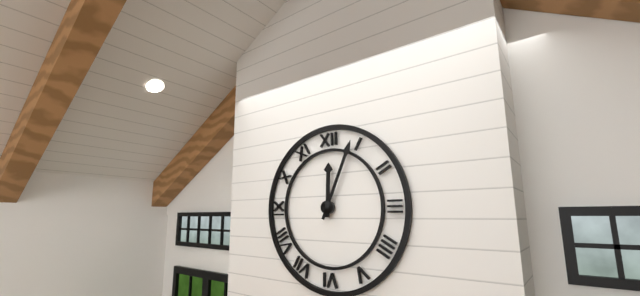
12.04
